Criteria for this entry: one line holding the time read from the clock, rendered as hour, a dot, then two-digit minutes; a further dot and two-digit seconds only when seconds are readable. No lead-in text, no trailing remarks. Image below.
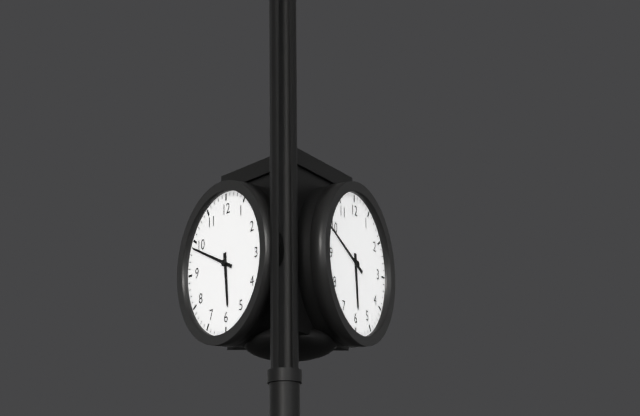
5.49
